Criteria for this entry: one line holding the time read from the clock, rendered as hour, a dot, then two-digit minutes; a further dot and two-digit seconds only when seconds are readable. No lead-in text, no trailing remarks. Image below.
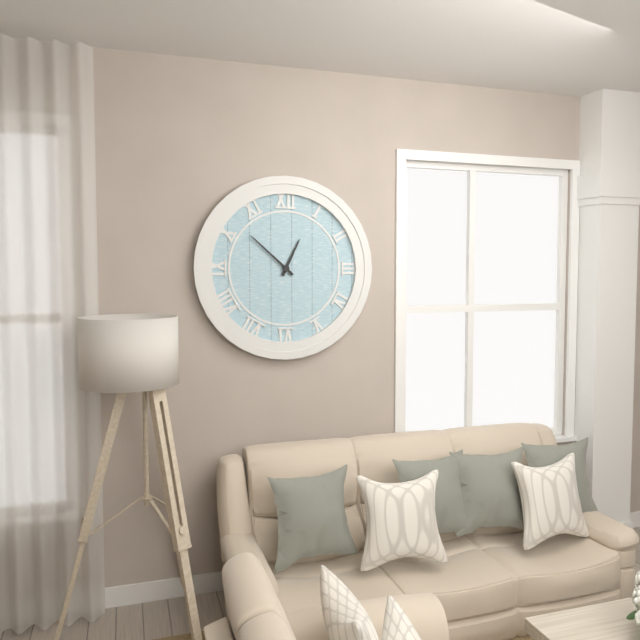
12.52
